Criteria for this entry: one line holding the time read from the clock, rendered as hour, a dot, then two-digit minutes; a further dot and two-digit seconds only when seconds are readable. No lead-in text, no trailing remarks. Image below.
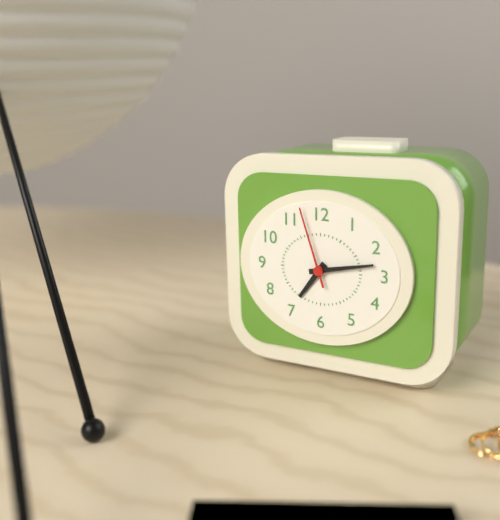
7.13.57
